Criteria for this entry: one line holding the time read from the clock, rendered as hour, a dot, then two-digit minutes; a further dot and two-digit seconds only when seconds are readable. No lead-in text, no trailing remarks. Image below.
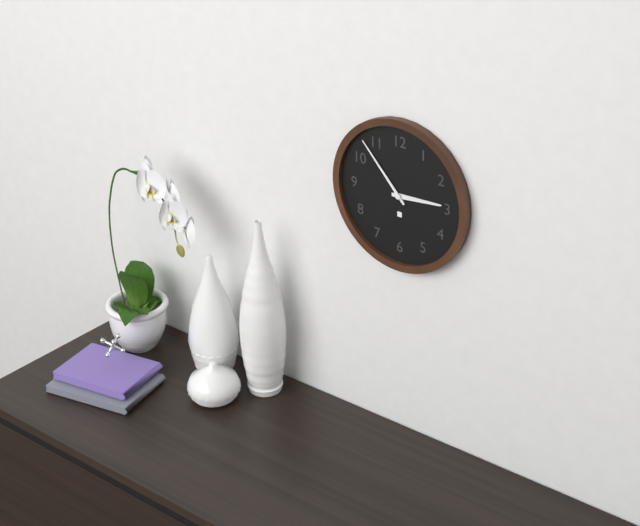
2.53
